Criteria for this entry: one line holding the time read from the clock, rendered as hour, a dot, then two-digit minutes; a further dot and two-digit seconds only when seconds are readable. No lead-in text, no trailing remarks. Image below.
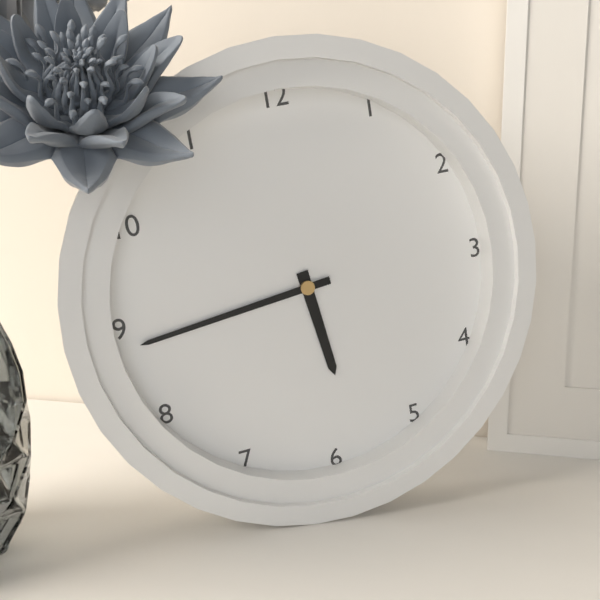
5.44
